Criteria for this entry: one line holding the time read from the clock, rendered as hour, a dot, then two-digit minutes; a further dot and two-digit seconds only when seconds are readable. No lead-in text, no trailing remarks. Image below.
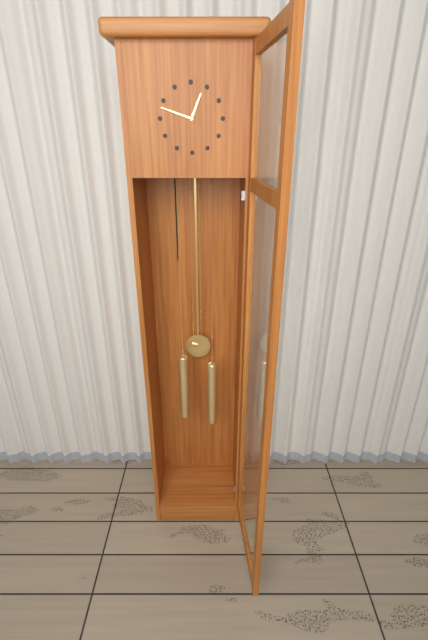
12.48
